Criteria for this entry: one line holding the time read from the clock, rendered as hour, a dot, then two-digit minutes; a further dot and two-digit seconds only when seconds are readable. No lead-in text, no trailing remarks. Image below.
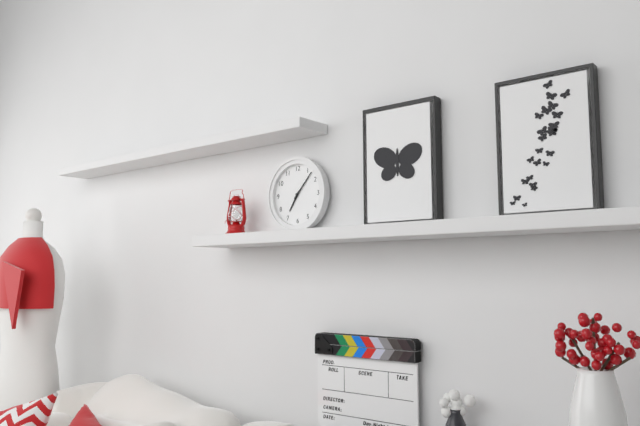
7.07
